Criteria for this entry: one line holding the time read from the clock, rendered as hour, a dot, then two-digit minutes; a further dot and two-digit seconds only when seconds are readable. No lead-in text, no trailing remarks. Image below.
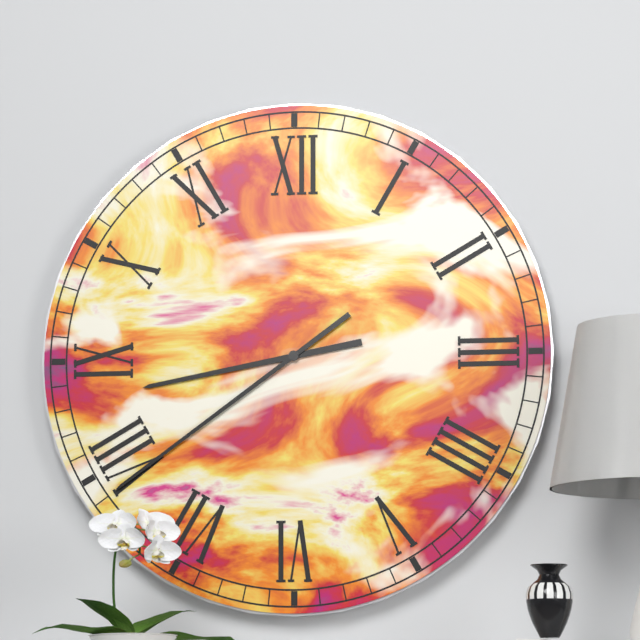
8.39
